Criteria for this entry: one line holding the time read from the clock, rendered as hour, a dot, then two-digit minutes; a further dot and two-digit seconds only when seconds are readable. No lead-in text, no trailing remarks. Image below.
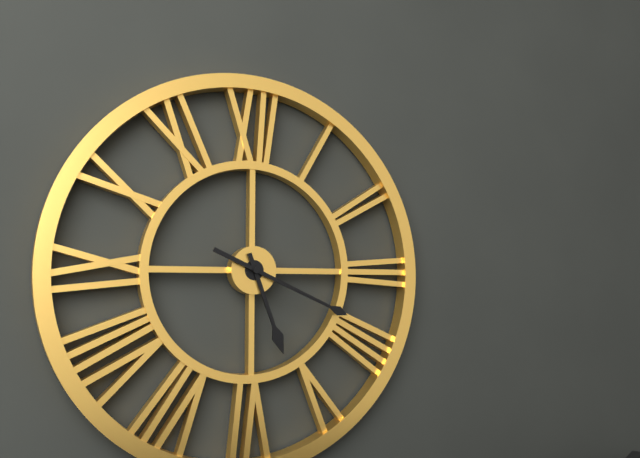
5.19
